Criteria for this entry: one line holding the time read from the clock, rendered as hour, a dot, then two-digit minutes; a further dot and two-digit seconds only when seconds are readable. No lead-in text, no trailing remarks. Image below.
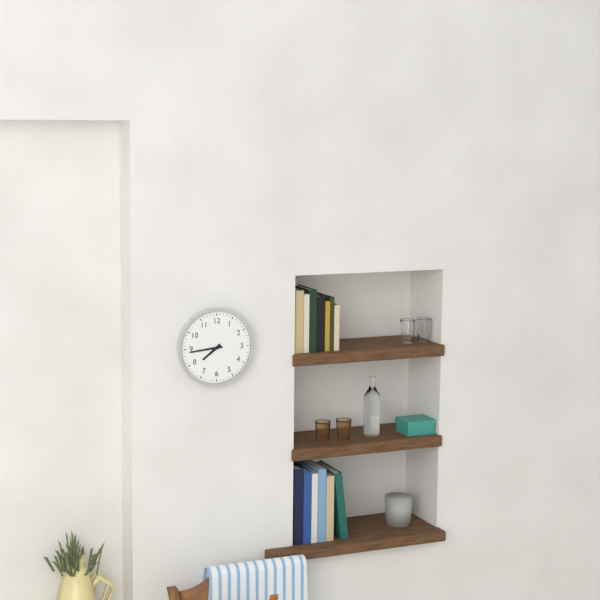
7.44
